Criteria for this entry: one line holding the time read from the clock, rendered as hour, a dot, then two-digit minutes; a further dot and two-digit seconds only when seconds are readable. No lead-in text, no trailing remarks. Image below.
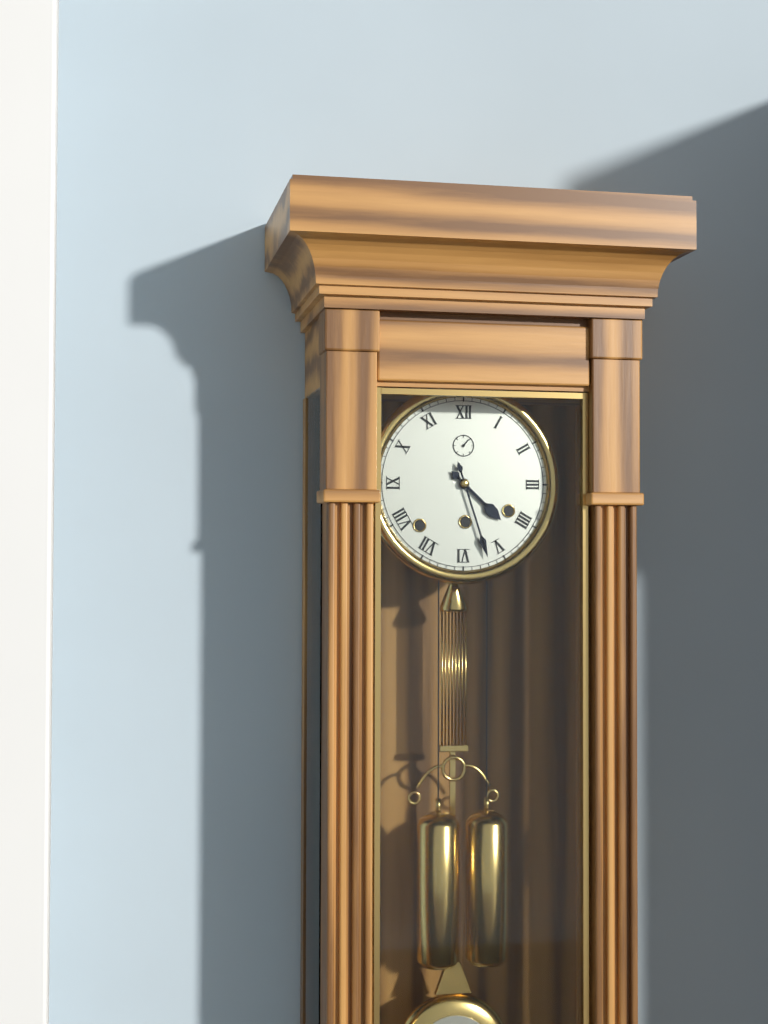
4.27
